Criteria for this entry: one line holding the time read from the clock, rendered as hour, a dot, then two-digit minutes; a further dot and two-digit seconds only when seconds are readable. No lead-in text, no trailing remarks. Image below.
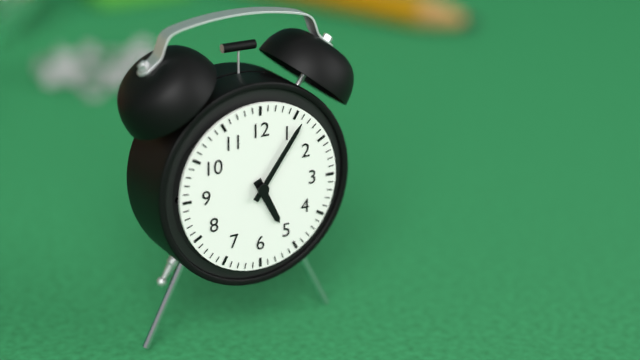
5.06
